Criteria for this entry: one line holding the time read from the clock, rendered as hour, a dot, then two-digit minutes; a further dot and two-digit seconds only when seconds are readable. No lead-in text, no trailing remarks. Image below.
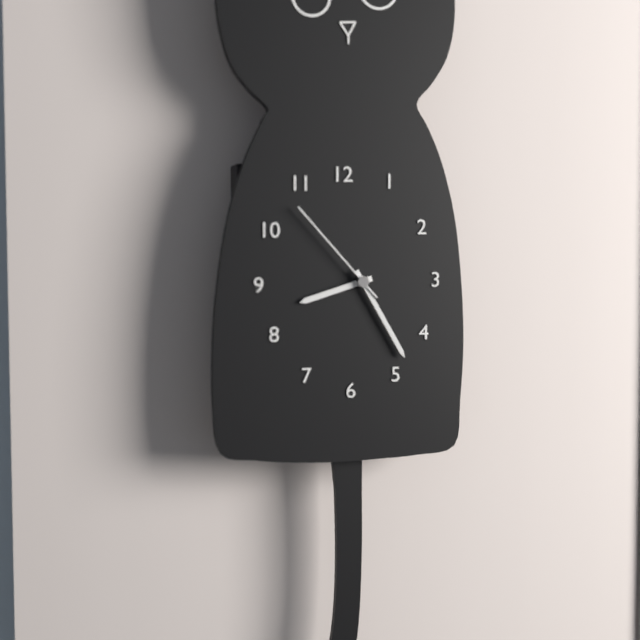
8.25.53
